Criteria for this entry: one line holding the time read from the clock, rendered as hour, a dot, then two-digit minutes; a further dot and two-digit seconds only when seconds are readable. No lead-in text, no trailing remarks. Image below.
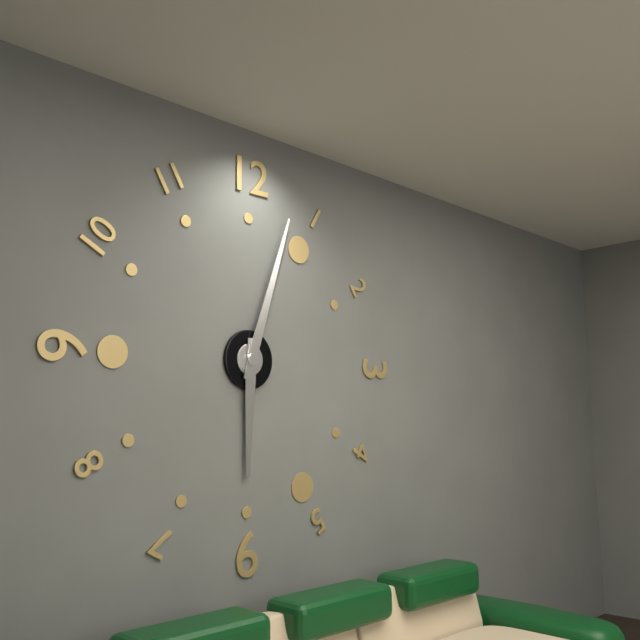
6.03
